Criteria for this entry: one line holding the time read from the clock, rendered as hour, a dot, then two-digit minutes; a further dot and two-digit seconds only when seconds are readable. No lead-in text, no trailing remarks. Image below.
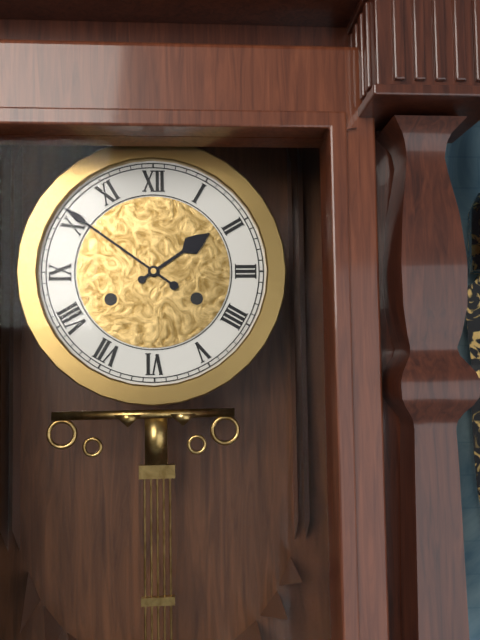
1.51
